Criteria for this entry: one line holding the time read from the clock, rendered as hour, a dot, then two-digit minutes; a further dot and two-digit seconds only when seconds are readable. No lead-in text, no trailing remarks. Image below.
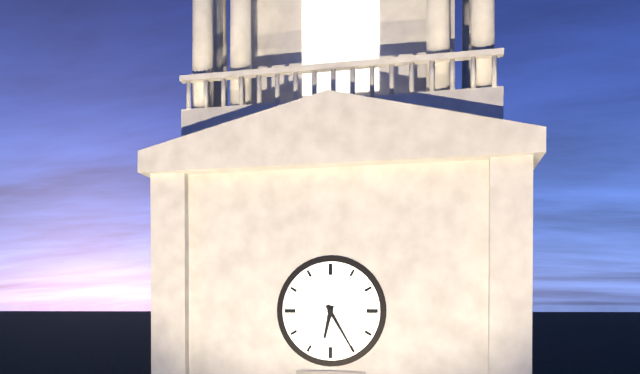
6.25
